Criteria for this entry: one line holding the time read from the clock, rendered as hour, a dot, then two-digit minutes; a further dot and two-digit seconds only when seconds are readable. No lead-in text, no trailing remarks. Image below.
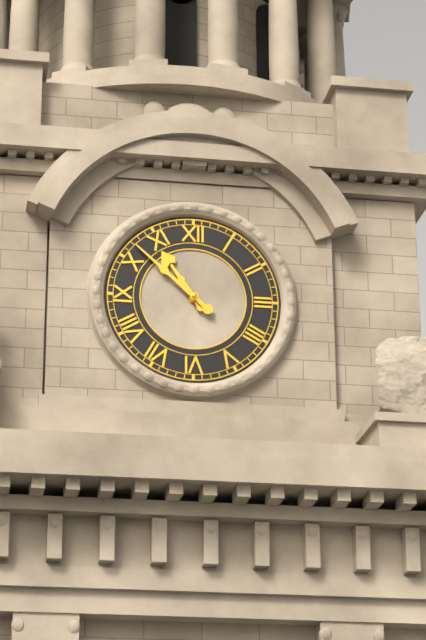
10.52
